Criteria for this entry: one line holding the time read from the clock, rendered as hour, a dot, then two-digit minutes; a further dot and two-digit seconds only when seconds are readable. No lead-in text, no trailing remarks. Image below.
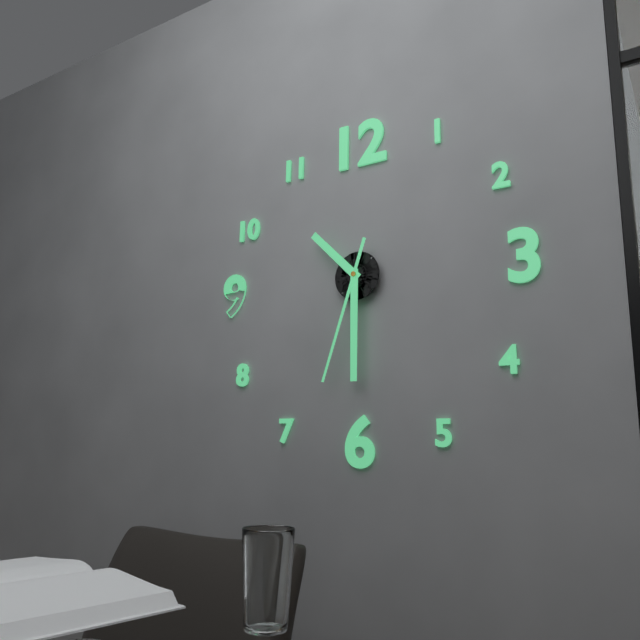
10.30.33
